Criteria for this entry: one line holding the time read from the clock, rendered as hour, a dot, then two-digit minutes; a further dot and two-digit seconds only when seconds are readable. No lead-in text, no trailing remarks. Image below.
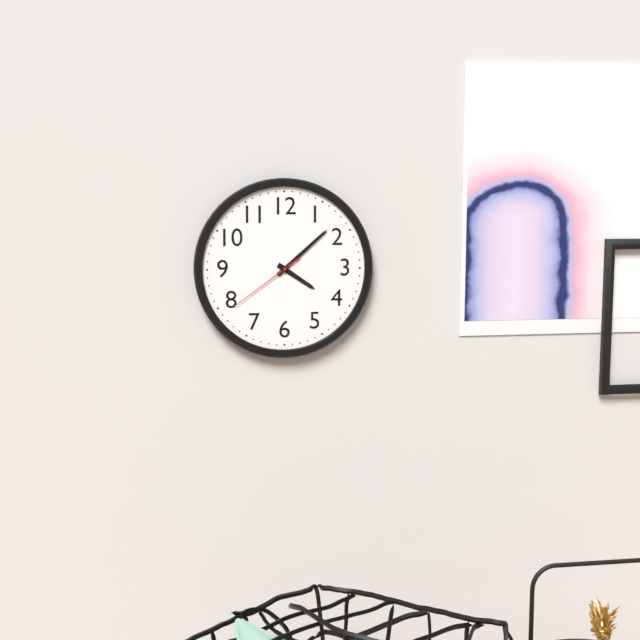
4.08.39
